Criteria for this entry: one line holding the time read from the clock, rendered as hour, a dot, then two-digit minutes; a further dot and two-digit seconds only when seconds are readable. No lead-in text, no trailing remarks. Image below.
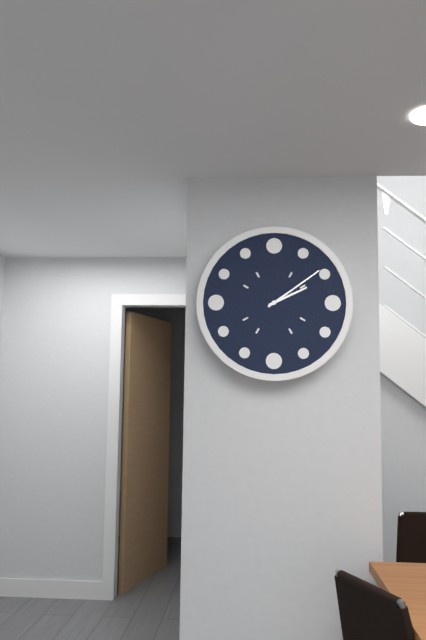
2.09
